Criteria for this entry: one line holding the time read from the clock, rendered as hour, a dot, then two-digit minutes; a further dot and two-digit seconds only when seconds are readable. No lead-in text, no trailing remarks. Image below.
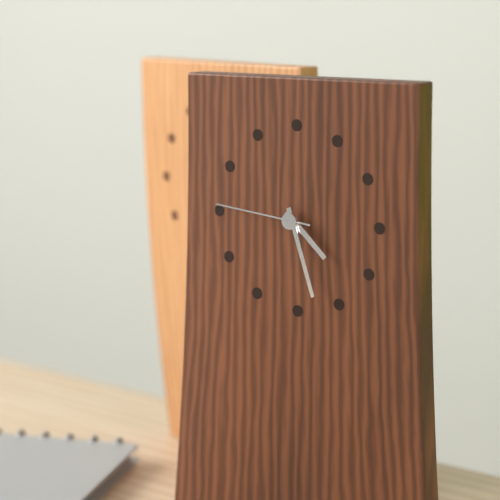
4.27.46
